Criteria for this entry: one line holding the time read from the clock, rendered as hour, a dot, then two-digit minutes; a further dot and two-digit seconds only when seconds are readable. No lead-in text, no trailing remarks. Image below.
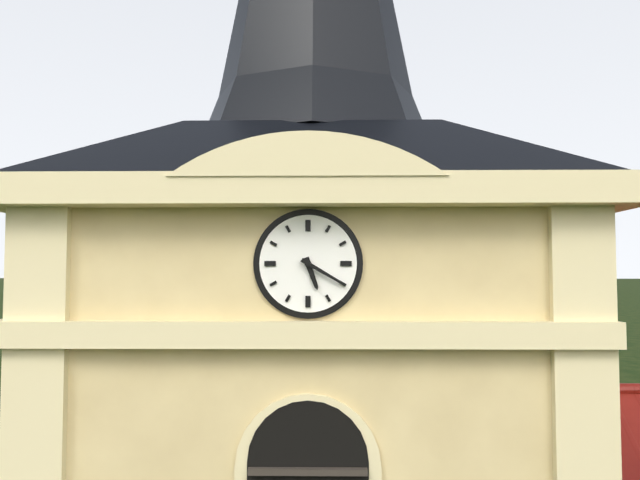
5.20
